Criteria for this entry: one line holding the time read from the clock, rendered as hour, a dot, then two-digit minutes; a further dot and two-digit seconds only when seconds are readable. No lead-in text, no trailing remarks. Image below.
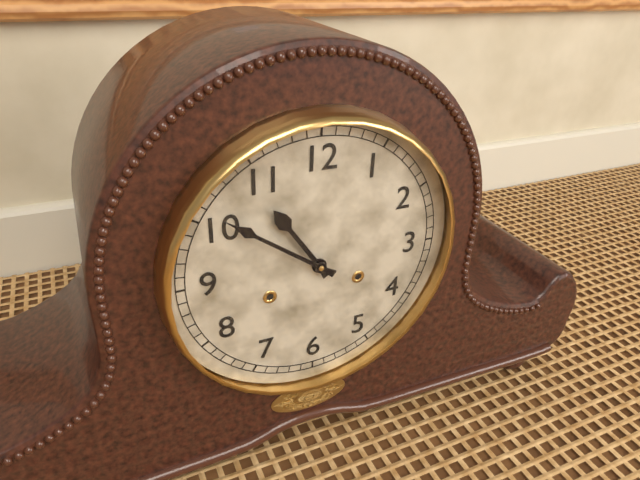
10.51
